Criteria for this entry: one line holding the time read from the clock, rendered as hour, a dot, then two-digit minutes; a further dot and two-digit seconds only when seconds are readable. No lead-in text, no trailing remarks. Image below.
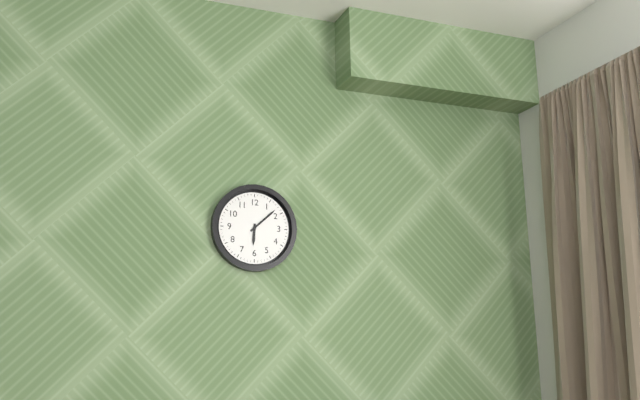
6.08
